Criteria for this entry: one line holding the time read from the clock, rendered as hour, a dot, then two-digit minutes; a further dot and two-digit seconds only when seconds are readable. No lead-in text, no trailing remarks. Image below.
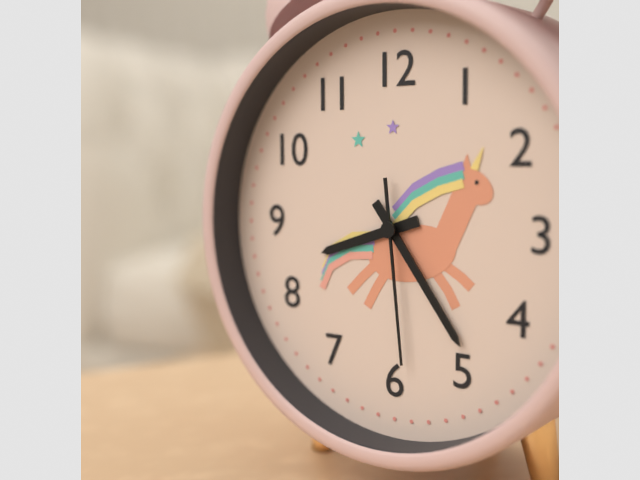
8.24.29
